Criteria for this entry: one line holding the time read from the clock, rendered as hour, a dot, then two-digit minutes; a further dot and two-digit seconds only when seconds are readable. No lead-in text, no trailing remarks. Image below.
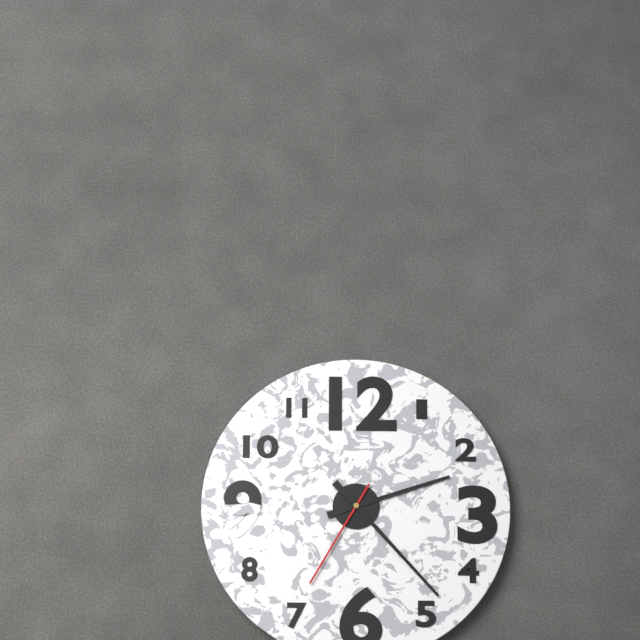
2.23.35
